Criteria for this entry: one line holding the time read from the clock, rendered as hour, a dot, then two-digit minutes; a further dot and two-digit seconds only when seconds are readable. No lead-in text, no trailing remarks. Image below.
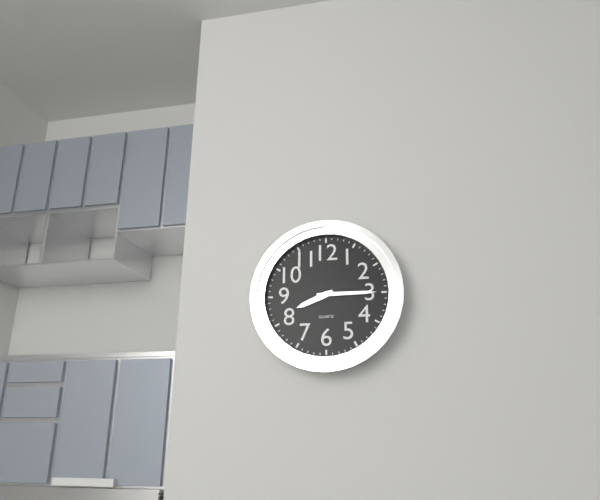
8.15
